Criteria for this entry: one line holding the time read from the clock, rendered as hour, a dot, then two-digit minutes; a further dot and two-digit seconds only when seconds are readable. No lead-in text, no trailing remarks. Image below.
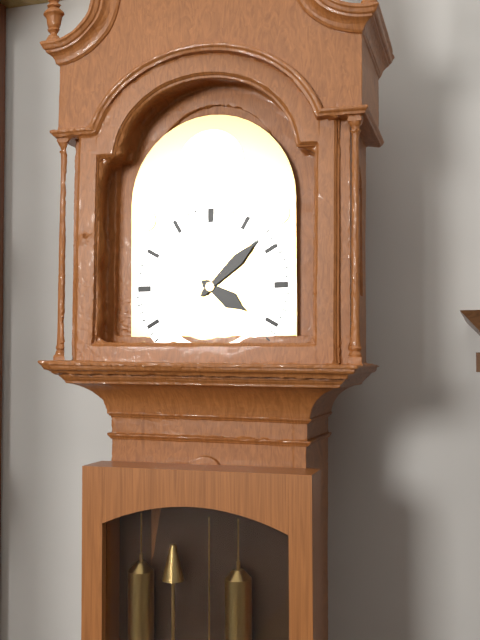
4.08
